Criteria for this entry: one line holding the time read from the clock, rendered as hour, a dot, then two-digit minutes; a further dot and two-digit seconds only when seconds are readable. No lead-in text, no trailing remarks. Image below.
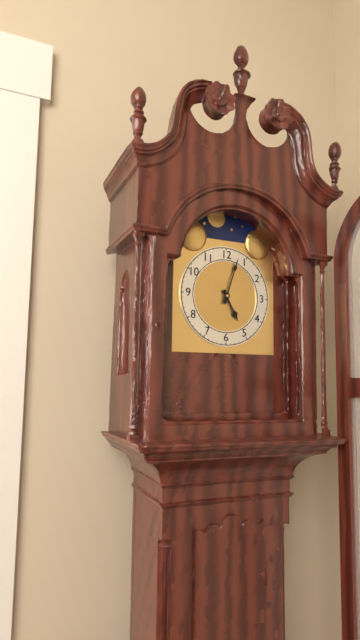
5.03
